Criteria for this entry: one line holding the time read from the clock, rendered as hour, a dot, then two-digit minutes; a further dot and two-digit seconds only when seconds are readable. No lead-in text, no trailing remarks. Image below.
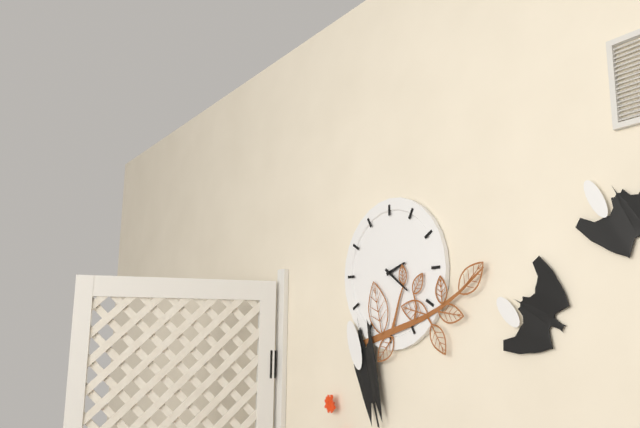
2.21
